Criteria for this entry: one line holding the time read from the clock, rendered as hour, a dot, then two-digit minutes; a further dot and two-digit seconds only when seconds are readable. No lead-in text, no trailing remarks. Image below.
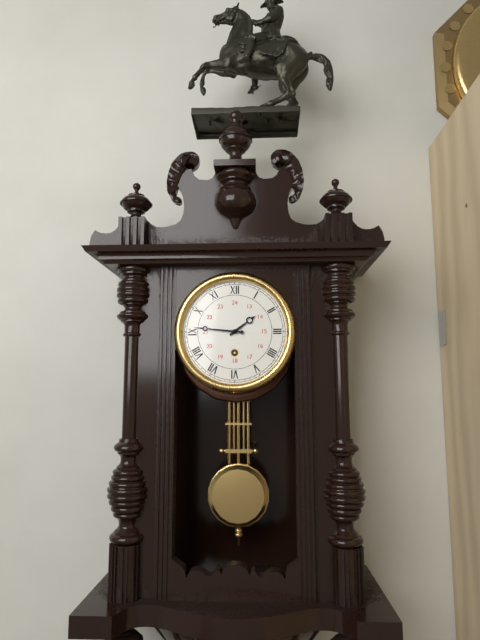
1.46
